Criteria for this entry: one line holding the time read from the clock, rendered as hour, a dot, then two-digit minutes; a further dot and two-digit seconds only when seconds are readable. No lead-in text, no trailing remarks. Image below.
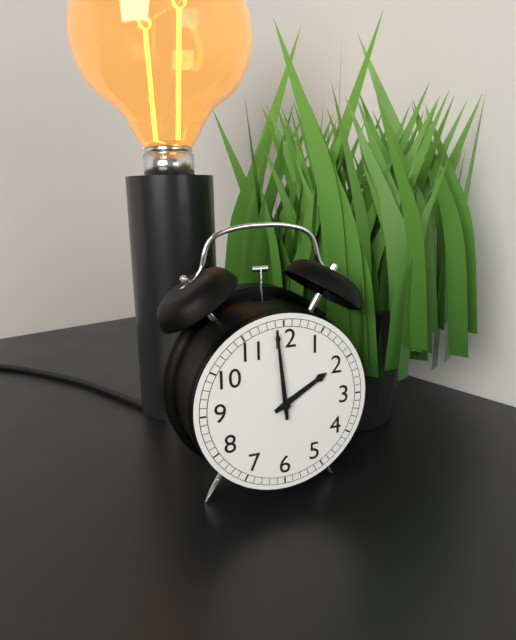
1.59
